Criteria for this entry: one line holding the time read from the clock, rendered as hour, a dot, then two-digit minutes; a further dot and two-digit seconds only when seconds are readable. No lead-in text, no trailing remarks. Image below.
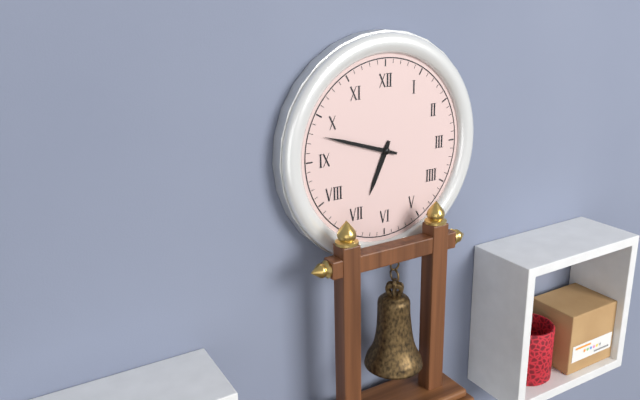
6.48
